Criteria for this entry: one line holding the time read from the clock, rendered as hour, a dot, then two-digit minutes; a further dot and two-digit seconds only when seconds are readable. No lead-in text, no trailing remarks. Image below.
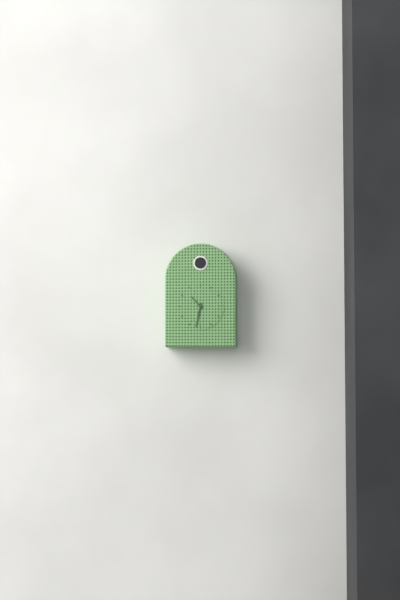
10.32
